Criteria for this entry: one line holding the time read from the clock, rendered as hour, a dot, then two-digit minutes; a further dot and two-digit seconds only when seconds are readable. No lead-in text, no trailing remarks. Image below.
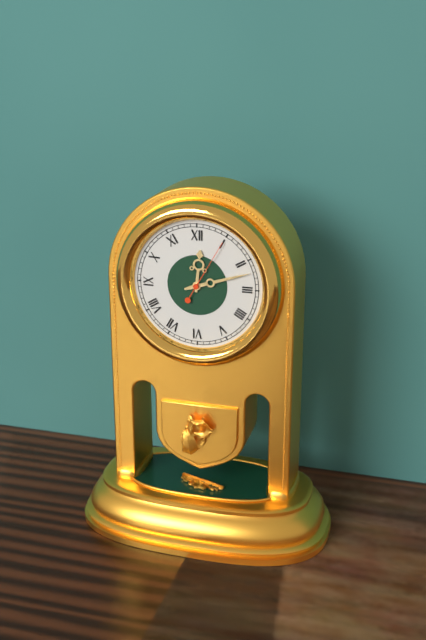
12.12.05
